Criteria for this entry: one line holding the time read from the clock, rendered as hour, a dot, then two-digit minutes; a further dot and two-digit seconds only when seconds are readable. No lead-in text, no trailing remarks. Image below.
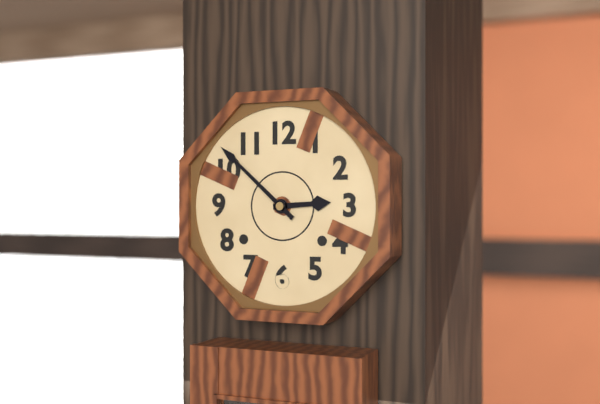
2.52
